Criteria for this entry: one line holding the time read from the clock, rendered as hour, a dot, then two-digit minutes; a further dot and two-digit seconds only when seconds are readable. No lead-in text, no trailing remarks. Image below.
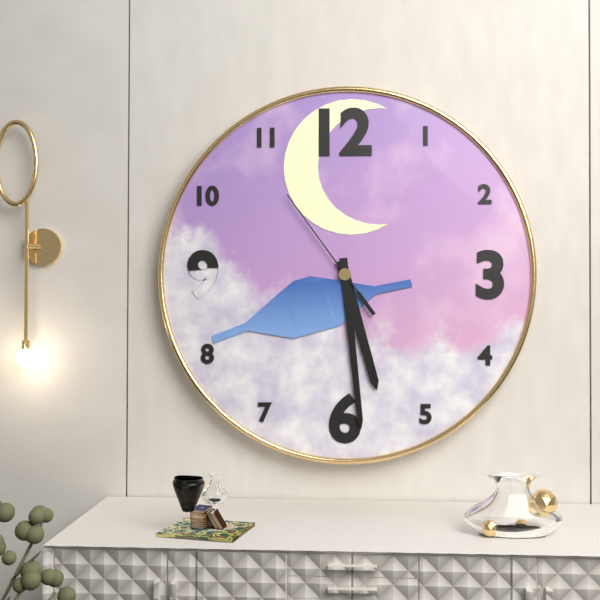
5.29.54
